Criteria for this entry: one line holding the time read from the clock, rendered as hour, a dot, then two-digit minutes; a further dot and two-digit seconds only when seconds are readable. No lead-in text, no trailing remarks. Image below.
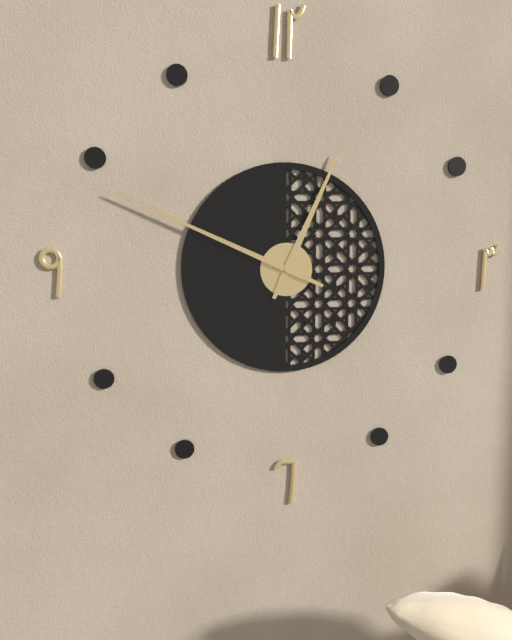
12.49
